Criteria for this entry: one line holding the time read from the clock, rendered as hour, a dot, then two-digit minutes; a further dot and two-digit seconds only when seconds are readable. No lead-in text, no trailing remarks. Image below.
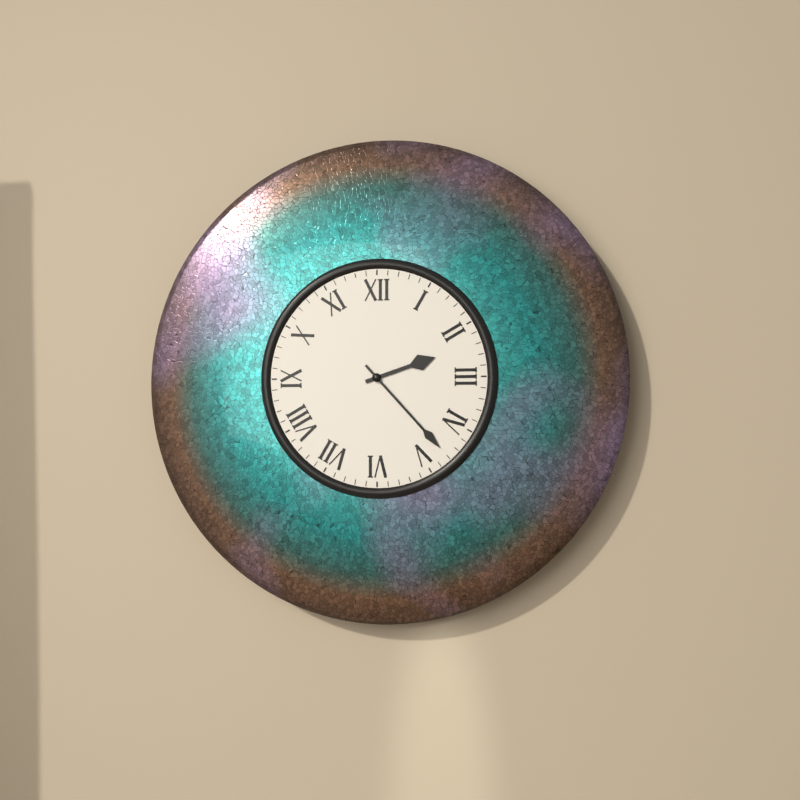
2.23
